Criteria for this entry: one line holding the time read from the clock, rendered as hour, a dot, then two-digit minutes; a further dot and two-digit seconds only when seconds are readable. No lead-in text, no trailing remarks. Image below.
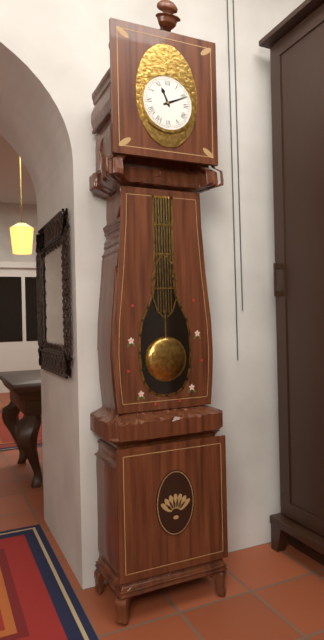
11.11
